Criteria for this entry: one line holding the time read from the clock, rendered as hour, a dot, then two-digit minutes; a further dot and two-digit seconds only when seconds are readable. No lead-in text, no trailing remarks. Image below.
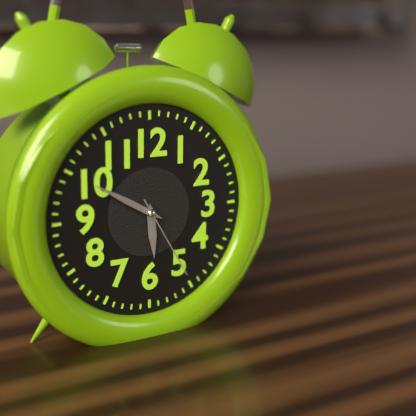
5.50.25
